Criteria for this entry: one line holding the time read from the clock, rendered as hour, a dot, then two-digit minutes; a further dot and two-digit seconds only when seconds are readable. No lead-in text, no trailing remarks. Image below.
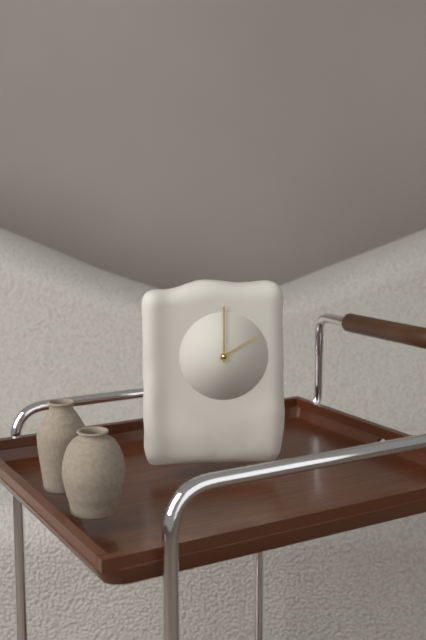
2.00
